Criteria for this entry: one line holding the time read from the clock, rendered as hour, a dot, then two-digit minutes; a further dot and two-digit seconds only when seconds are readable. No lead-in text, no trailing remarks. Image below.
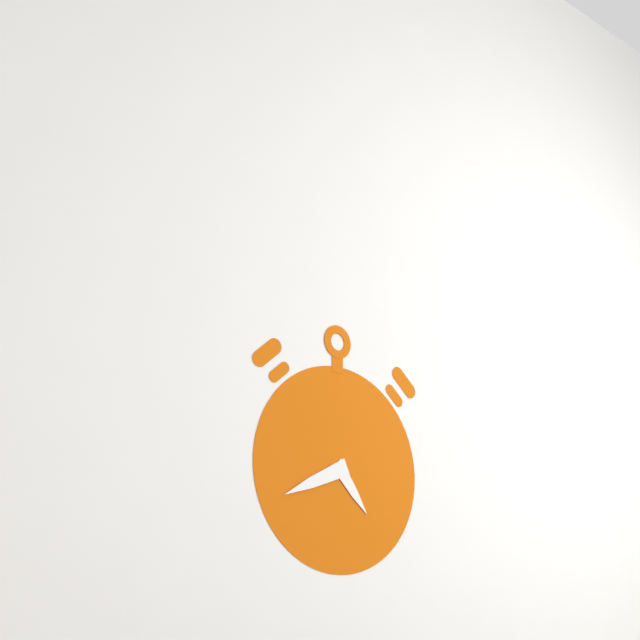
4.41
